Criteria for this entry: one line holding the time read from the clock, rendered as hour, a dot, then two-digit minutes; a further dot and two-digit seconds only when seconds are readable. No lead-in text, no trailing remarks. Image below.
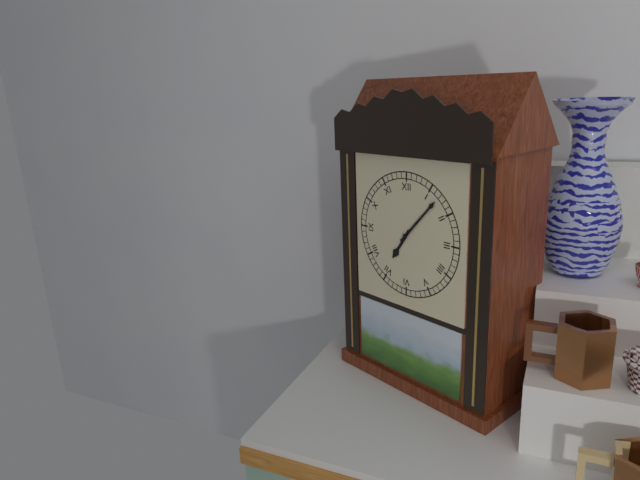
7.07
